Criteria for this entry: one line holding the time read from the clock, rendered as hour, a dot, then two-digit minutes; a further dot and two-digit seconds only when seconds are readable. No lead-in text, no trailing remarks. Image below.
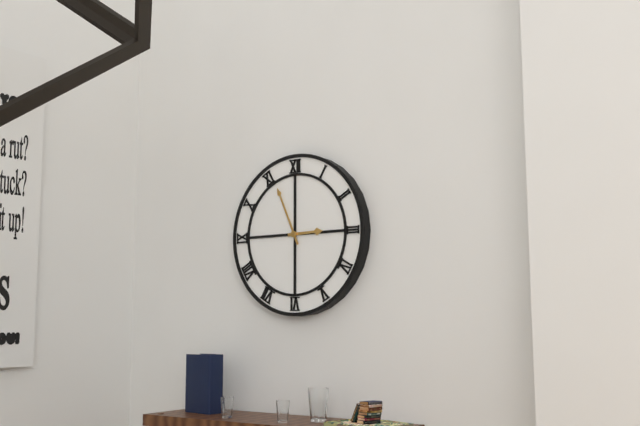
2.56
